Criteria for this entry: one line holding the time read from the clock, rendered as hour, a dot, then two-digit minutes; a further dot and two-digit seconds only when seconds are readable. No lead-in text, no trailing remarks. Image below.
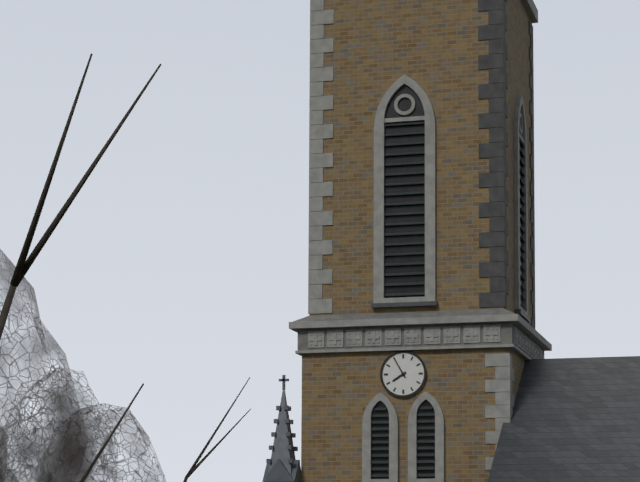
7.55
